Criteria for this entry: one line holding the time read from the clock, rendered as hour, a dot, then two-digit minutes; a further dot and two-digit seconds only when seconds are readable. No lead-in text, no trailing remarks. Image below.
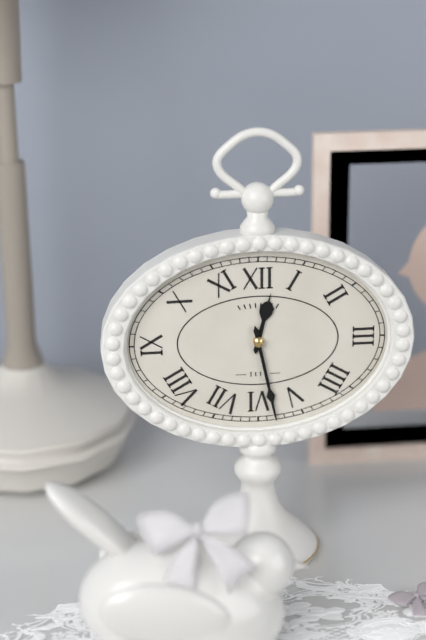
12.28
